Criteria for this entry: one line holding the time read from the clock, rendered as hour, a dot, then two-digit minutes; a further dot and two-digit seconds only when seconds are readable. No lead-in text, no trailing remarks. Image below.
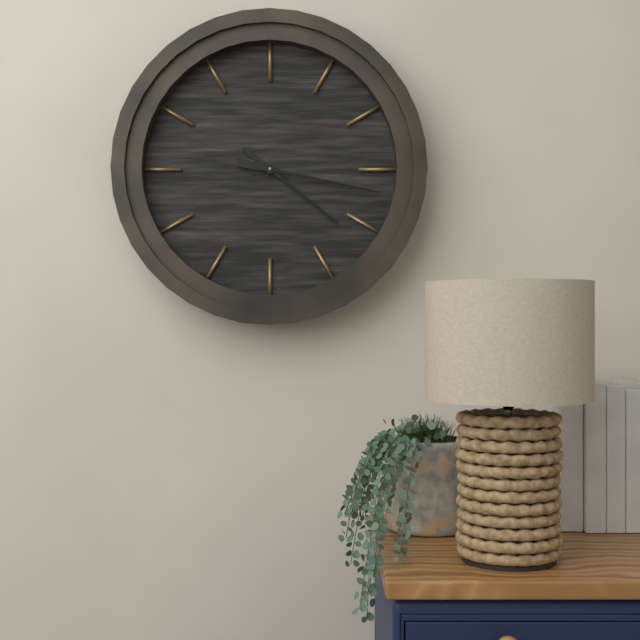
4.17
